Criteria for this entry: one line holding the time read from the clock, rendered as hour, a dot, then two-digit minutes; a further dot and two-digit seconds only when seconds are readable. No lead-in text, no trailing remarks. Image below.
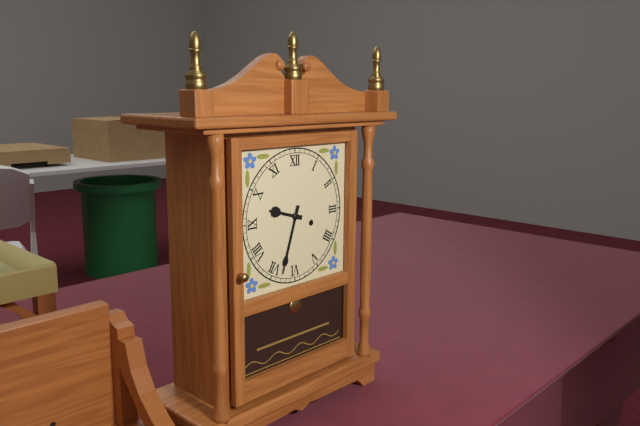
9.33
